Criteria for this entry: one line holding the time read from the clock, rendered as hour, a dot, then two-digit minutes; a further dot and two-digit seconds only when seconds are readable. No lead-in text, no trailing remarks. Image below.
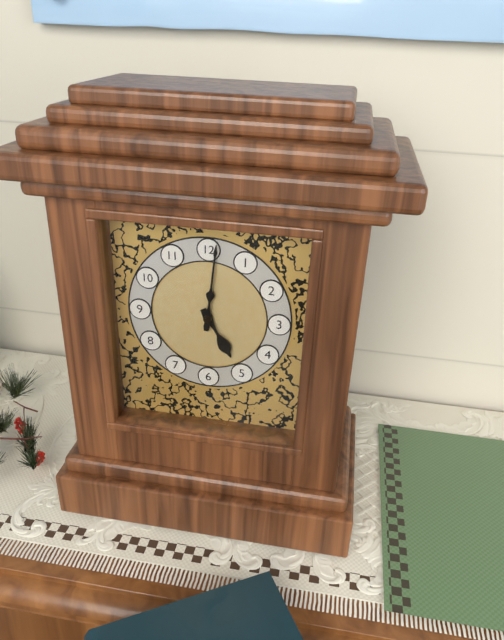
5.01
